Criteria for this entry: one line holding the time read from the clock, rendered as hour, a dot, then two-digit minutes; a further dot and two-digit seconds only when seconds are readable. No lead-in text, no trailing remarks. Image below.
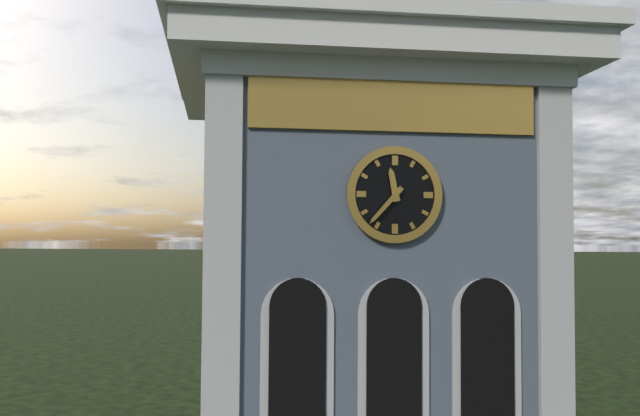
11.37
